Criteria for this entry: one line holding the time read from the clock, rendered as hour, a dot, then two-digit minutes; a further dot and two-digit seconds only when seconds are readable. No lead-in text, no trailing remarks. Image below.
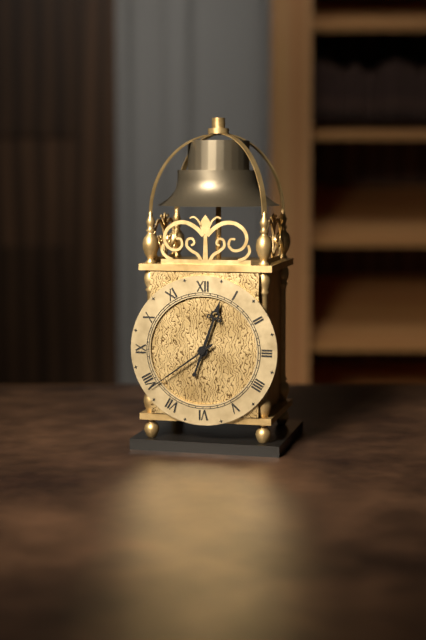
12.39
